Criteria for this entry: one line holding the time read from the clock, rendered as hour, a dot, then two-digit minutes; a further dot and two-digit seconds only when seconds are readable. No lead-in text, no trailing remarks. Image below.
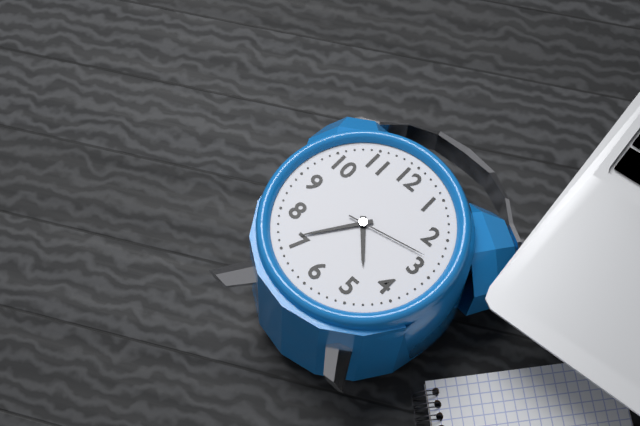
4.36.13
